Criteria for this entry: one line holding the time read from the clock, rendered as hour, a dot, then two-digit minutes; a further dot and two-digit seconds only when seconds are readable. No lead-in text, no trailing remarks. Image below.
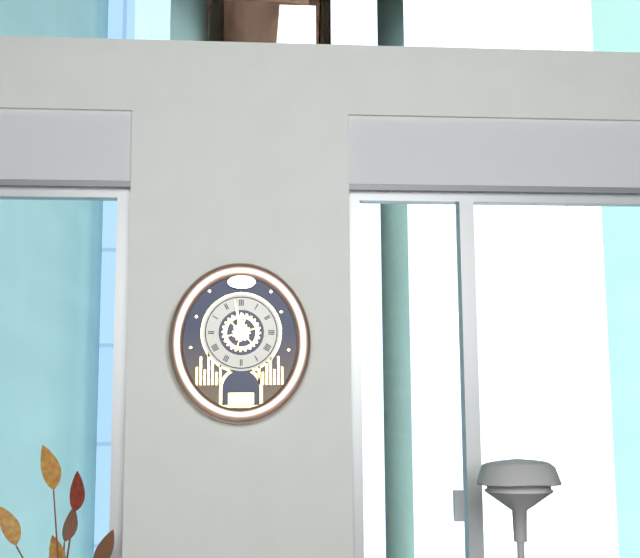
11.58
